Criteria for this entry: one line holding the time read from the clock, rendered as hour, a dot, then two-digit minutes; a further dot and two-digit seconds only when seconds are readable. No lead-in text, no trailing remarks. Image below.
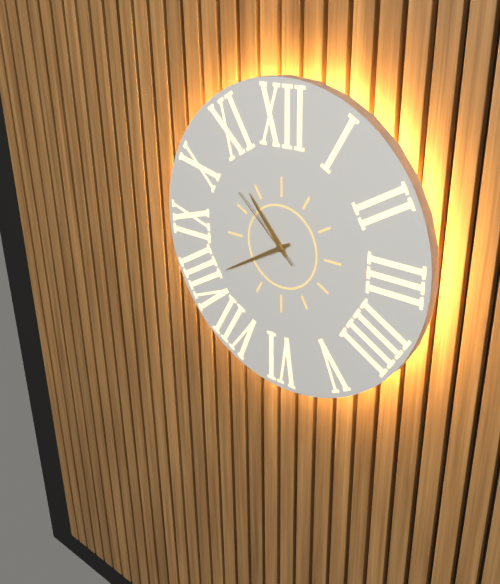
10.40.52
